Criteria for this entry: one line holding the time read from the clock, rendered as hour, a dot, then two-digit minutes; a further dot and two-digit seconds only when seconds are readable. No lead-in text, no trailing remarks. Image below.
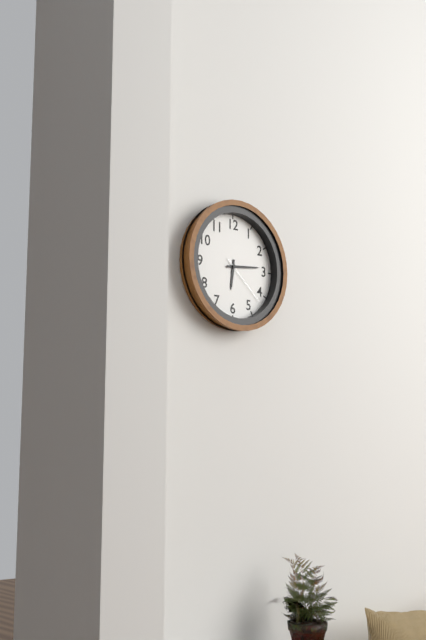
6.14.22
